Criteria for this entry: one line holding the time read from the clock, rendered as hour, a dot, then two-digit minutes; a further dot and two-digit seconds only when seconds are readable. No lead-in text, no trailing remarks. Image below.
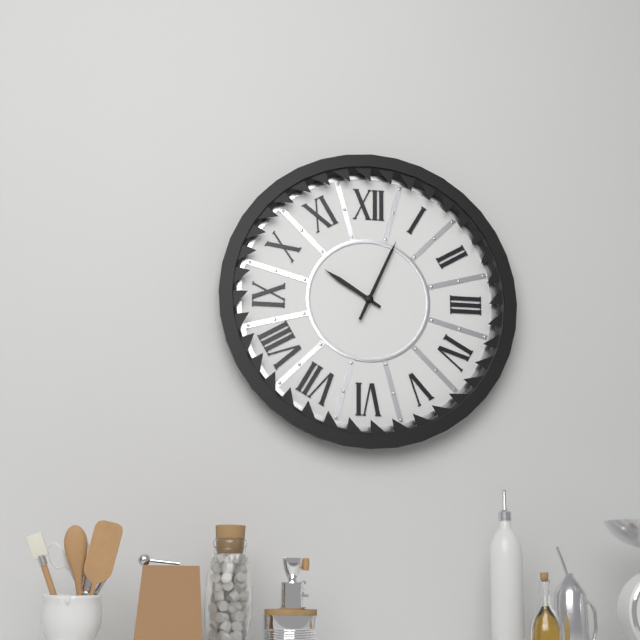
10.04
